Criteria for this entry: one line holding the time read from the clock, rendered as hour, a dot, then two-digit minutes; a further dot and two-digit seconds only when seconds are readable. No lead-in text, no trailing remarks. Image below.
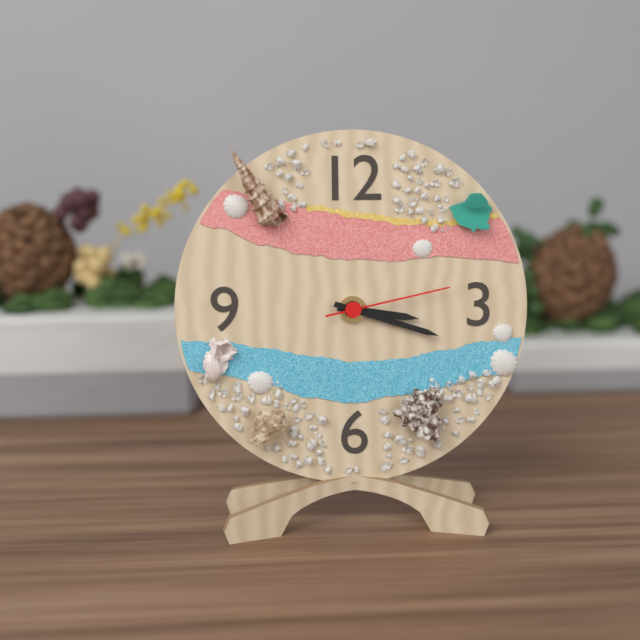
3.18.13
